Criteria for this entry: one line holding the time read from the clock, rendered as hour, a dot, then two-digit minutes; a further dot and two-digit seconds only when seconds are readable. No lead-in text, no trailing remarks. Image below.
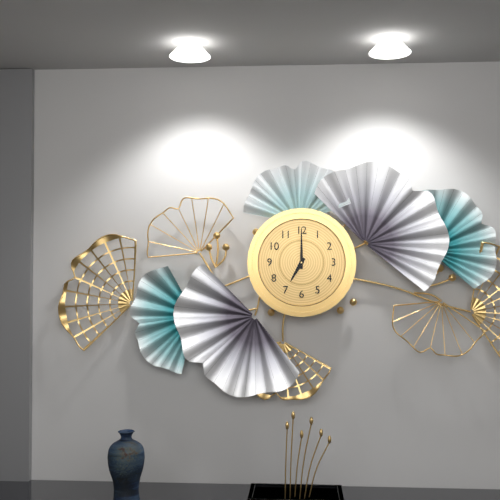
7.00
